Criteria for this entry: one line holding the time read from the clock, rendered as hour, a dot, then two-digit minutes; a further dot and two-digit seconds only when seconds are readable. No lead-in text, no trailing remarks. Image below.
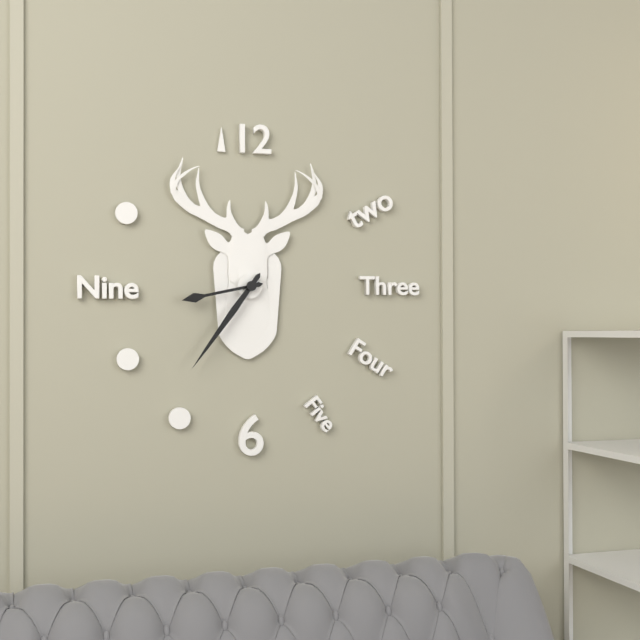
8.36
